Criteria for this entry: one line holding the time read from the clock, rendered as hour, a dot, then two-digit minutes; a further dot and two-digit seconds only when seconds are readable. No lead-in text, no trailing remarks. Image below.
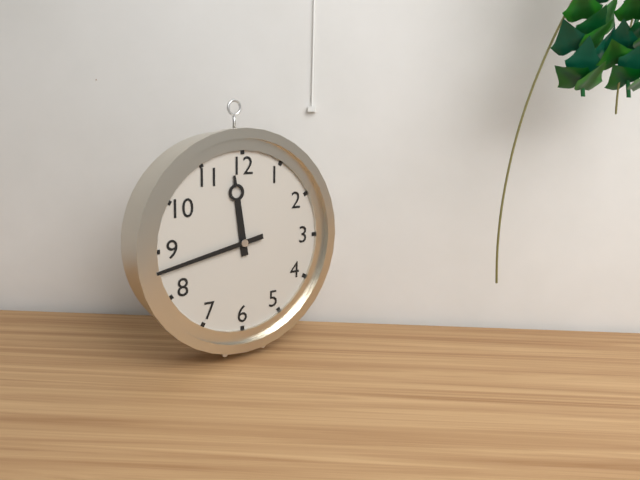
11.43
